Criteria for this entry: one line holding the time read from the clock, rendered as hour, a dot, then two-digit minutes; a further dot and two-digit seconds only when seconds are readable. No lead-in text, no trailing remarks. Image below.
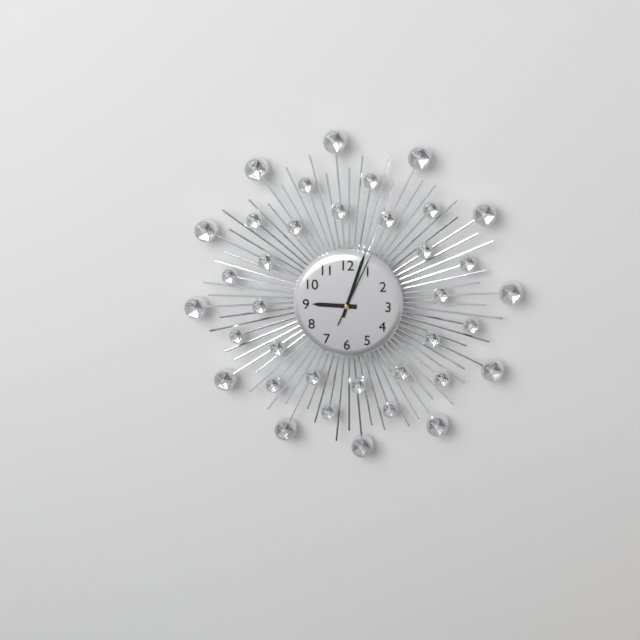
9.03.04
